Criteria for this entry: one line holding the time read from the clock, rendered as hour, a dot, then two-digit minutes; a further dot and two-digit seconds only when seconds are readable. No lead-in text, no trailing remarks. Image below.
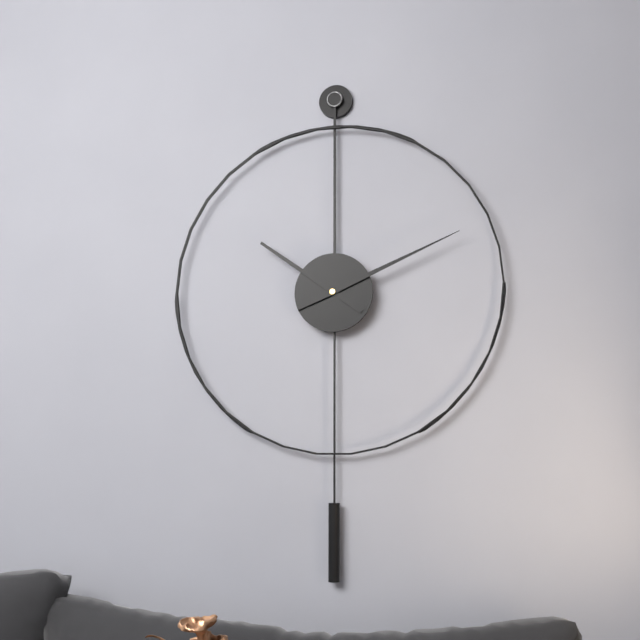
10.11
